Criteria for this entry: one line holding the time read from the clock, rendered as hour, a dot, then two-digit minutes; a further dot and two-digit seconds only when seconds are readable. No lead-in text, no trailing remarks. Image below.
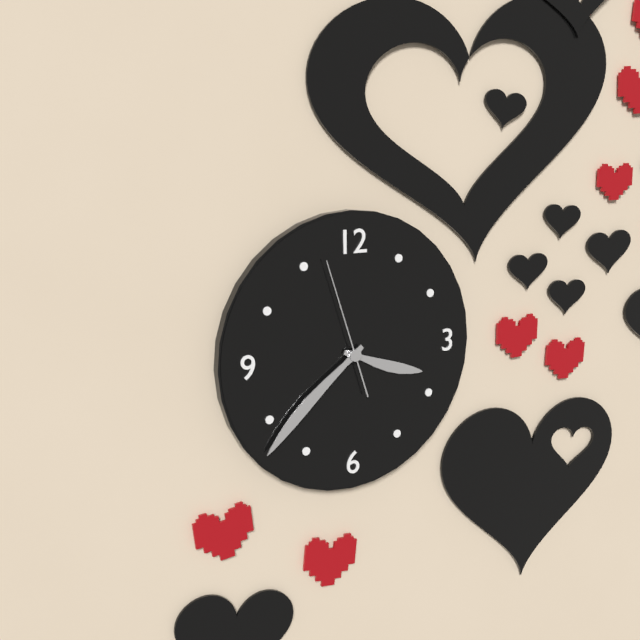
3.38.57
